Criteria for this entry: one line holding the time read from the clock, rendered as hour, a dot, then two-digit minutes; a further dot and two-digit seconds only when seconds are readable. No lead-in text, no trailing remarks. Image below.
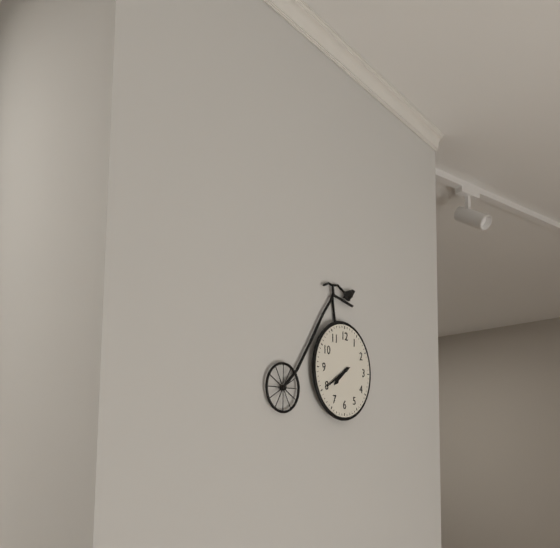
7.40
